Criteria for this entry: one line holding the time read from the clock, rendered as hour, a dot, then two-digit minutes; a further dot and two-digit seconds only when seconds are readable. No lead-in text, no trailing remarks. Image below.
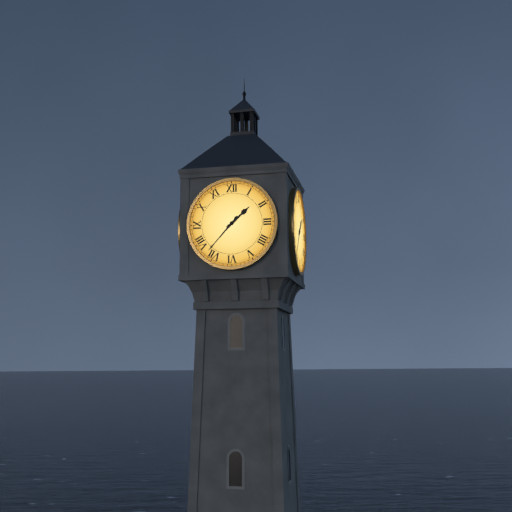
1.37
